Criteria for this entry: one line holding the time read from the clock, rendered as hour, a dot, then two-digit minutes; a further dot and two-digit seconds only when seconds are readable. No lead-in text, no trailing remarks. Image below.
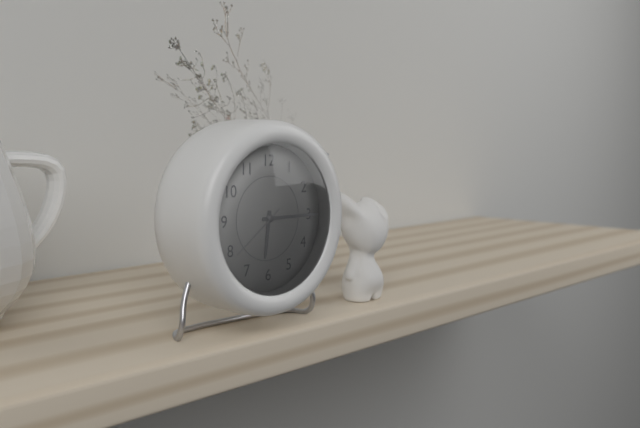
6.15.39
